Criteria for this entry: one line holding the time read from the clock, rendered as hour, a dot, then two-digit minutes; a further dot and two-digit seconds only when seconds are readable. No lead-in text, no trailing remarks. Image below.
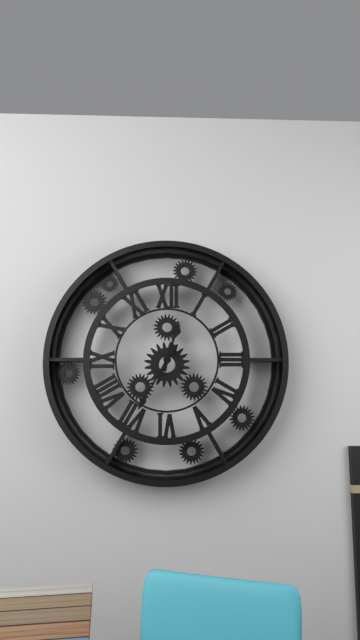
12.35
